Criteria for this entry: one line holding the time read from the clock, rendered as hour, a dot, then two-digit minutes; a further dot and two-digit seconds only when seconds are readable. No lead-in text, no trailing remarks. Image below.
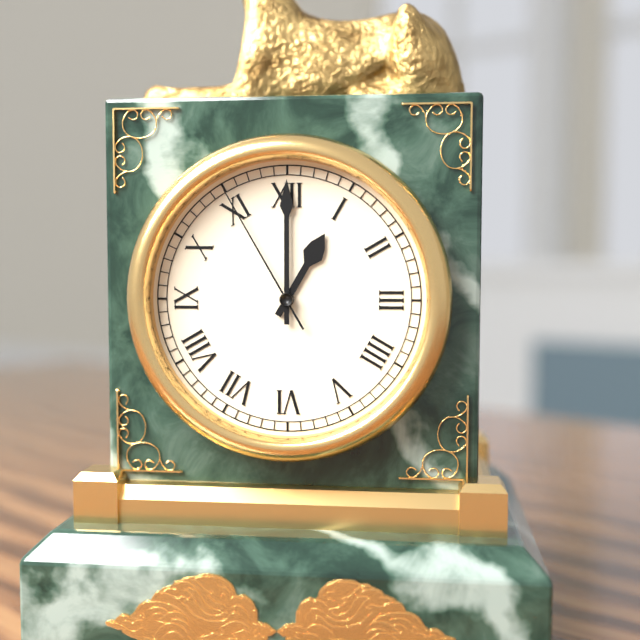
1.00.55
